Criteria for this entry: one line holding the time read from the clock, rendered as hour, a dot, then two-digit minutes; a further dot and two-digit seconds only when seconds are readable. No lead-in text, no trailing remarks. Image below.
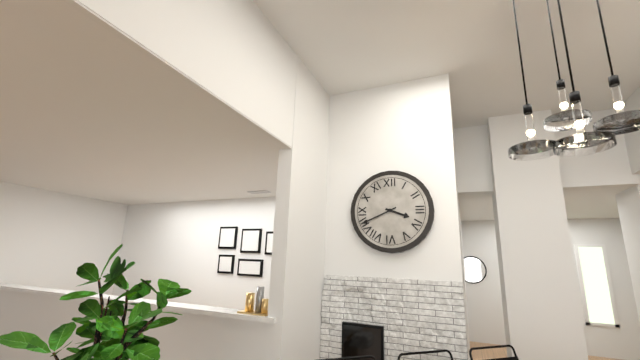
3.41
